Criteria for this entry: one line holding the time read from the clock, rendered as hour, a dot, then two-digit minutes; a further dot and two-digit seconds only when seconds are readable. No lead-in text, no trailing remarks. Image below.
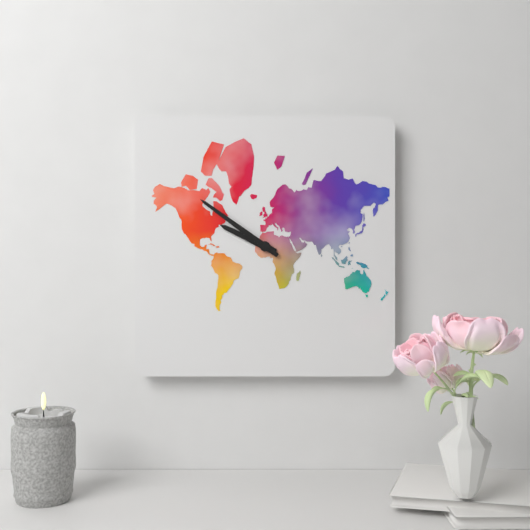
9.51
